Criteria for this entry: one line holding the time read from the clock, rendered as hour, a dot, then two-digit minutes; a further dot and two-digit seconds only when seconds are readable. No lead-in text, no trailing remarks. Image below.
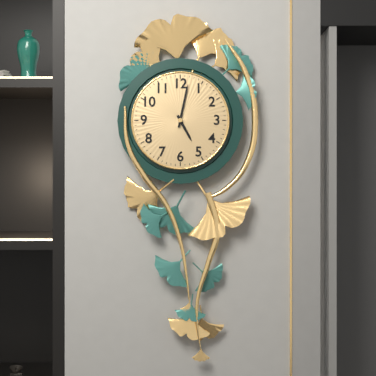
5.02
